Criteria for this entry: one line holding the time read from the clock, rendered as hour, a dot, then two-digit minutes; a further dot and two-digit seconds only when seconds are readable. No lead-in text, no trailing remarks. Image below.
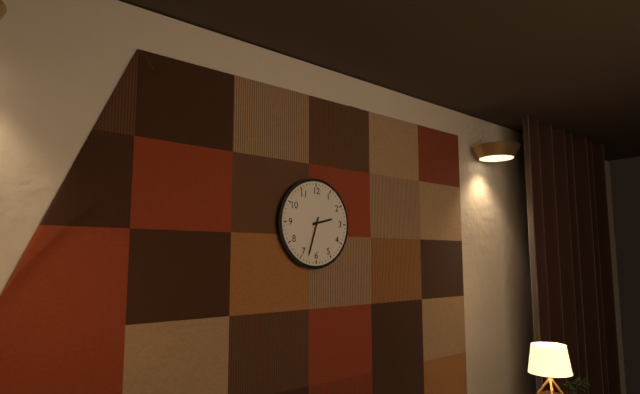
2.33
